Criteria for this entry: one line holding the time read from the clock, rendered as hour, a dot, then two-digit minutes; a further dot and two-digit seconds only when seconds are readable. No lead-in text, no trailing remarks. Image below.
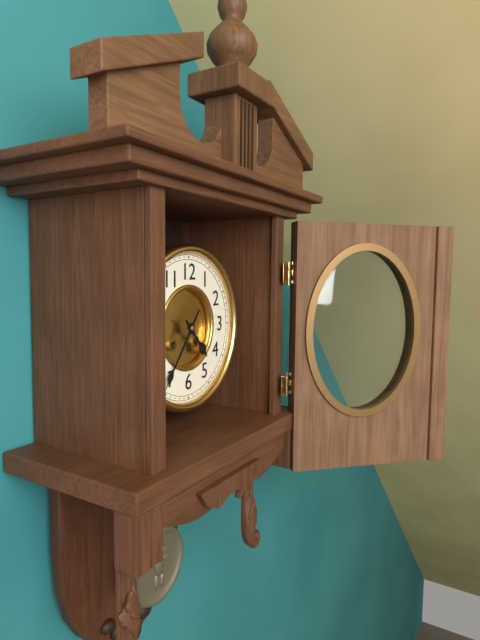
4.36
